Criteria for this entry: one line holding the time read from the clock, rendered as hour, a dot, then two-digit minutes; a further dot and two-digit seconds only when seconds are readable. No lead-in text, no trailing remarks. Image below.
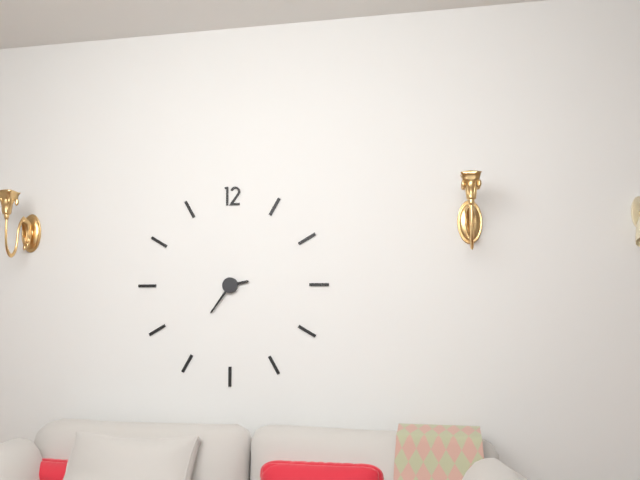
2.36
